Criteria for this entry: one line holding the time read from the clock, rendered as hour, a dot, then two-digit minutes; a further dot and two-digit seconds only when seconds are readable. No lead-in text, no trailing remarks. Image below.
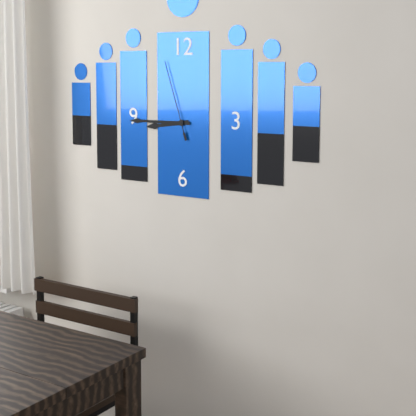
8.45.57
